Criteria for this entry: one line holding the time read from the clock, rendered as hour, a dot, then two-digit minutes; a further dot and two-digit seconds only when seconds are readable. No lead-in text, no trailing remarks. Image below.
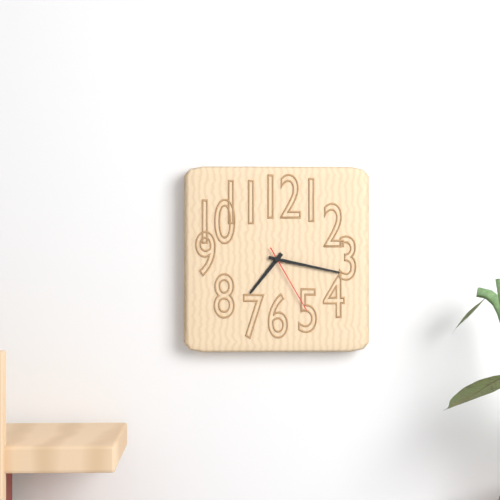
7.17.25
